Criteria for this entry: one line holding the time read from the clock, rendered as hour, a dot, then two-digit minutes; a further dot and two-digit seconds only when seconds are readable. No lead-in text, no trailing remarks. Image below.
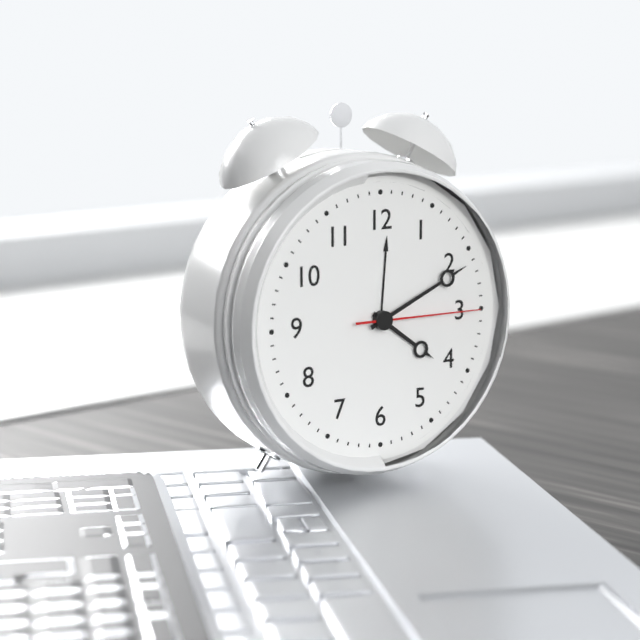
4.11.15
